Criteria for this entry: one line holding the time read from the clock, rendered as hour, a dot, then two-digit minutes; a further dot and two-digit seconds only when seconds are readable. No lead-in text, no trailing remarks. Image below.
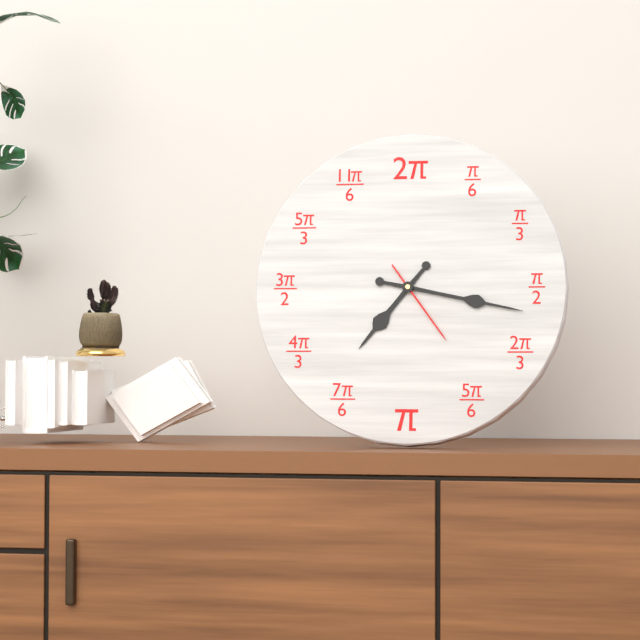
7.17.24
